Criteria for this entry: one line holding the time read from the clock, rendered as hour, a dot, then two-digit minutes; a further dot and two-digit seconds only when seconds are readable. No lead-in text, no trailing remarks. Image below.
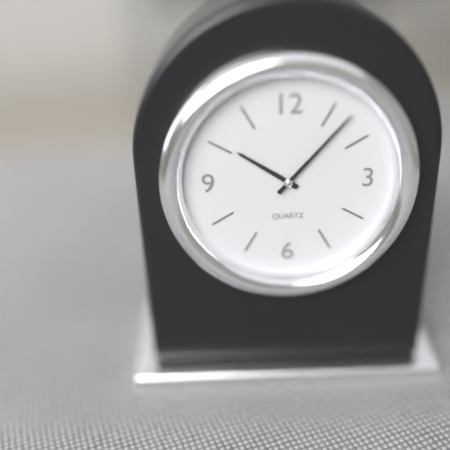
10.07
